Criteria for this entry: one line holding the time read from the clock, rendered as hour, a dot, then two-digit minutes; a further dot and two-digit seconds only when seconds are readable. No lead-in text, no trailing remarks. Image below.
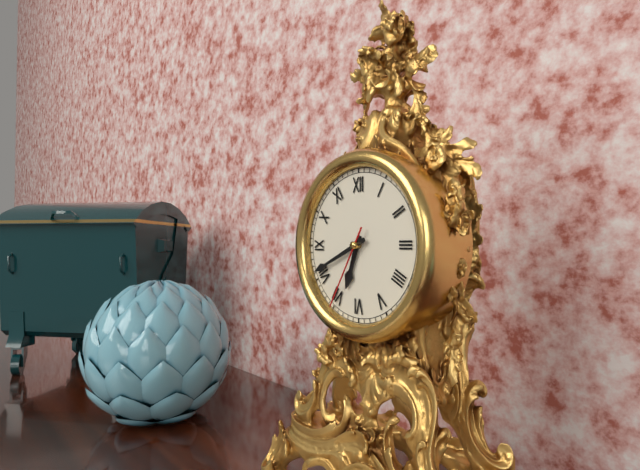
6.41.35
